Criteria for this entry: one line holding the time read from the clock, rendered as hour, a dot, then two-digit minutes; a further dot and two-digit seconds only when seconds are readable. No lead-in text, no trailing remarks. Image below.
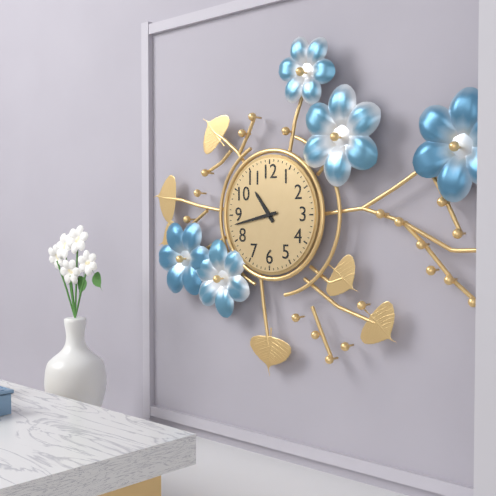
10.43
